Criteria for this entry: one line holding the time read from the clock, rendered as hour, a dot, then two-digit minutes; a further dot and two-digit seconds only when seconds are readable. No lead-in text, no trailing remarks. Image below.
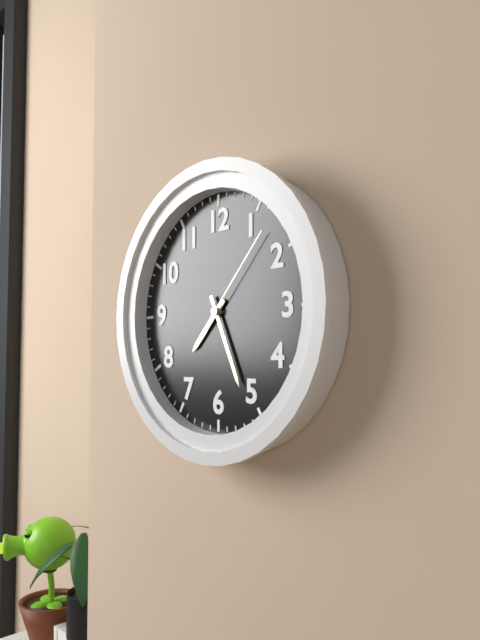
7.26.07
